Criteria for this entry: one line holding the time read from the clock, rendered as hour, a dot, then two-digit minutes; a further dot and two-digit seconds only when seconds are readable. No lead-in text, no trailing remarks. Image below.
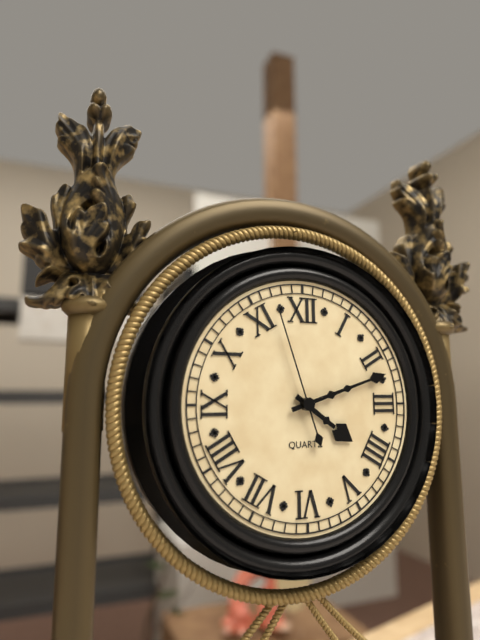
4.12.57
